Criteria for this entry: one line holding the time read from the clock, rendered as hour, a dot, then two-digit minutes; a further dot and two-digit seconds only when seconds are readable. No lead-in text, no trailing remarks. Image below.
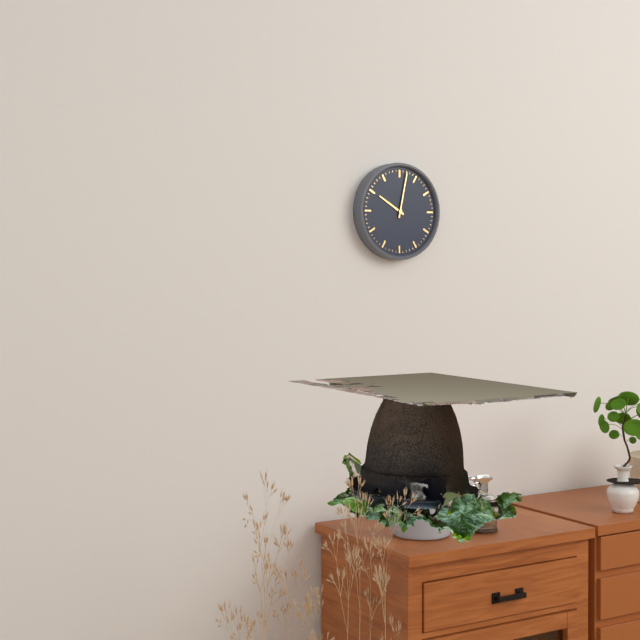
10.02
